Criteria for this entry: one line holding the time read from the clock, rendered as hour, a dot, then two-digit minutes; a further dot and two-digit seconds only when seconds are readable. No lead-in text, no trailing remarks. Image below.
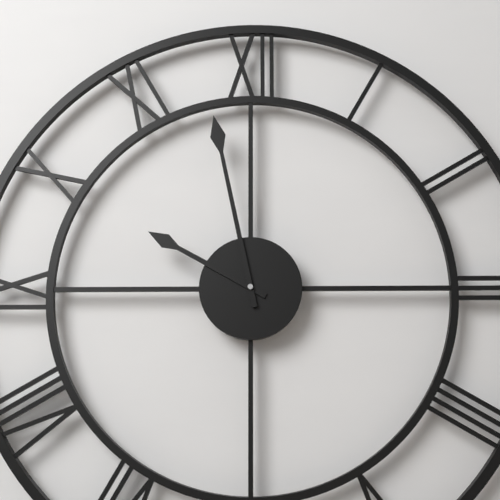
9.58
